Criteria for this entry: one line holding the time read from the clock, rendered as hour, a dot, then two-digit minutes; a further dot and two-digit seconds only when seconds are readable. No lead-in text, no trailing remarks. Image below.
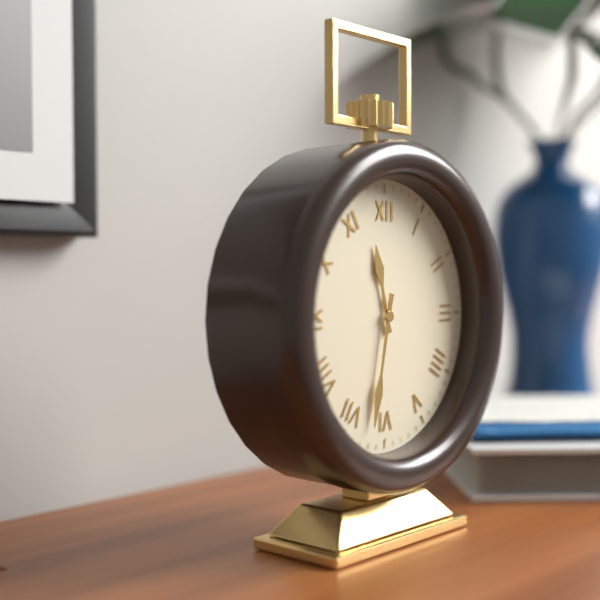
11.32
